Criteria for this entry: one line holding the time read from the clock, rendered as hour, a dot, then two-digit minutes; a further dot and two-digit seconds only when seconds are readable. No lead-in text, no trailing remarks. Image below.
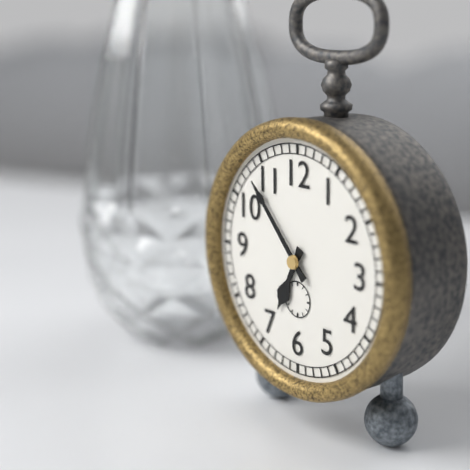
6.53
